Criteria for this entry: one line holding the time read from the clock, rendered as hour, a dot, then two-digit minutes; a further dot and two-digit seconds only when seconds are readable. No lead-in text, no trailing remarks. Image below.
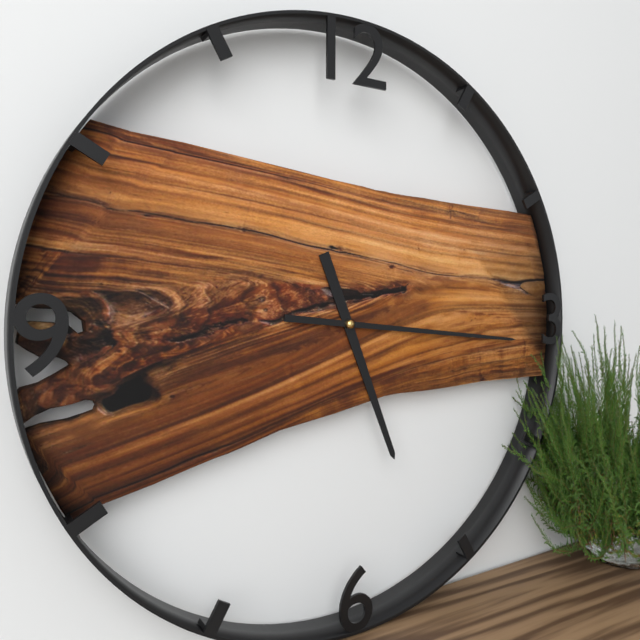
5.16
